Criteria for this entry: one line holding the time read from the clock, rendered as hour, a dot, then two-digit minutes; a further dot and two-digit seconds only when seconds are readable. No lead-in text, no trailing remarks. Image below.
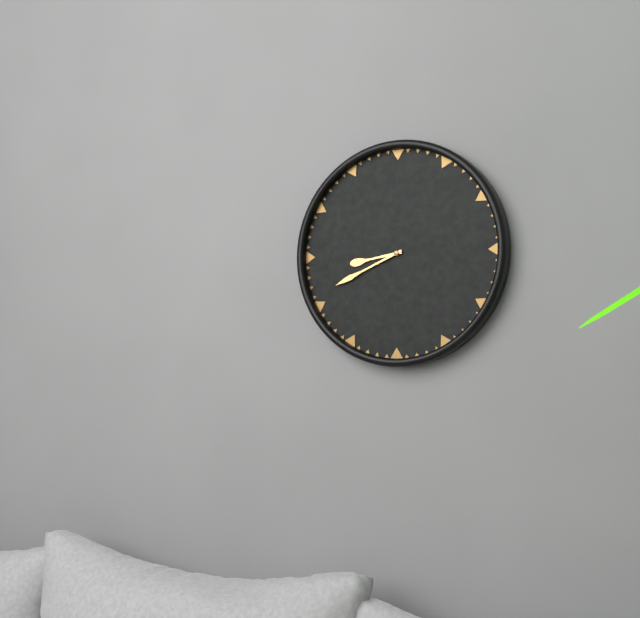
8.41
